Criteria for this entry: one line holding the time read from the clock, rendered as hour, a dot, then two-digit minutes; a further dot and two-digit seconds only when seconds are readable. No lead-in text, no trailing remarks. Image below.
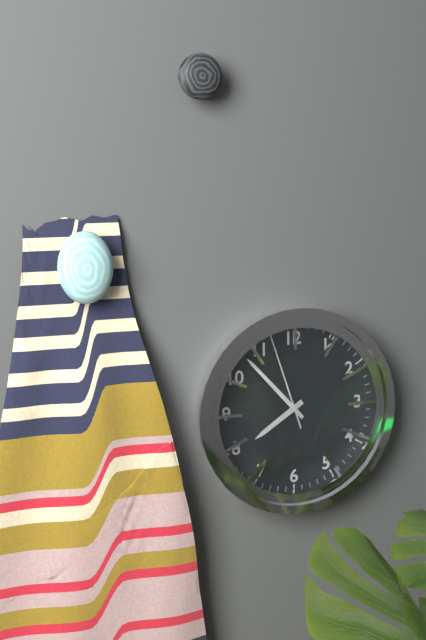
7.53.57
